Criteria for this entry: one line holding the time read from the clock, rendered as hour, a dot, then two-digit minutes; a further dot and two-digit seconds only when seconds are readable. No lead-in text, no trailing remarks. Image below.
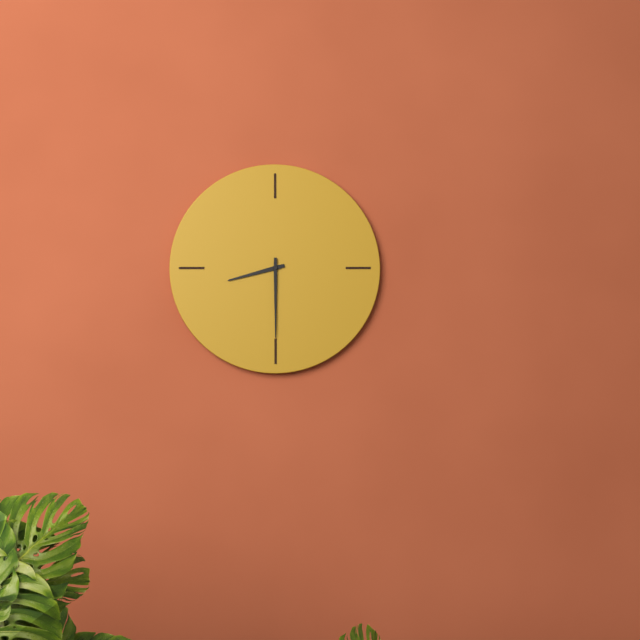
8.30
